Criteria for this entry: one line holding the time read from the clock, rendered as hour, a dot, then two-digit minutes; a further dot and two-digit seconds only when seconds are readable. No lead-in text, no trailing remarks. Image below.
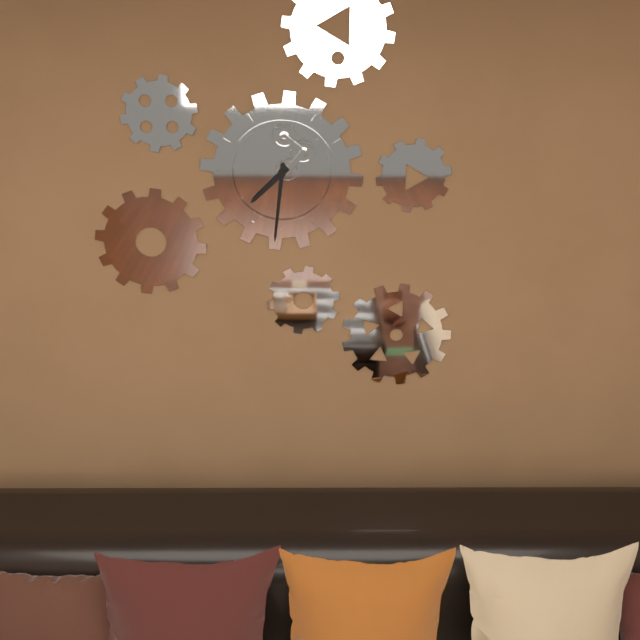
7.31
